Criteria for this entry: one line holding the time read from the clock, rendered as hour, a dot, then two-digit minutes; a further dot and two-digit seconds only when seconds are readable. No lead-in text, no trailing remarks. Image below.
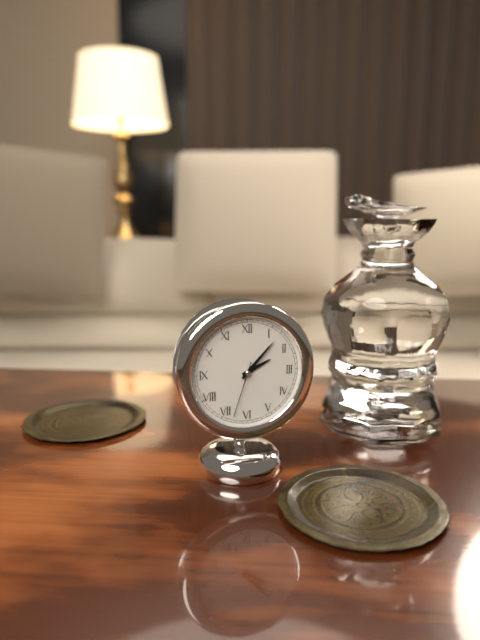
2.07.33
